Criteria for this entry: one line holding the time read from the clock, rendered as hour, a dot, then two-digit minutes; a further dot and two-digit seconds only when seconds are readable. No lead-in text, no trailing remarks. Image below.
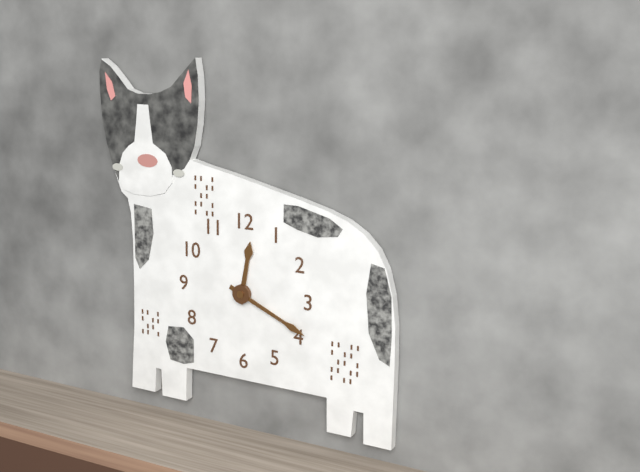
12.19
